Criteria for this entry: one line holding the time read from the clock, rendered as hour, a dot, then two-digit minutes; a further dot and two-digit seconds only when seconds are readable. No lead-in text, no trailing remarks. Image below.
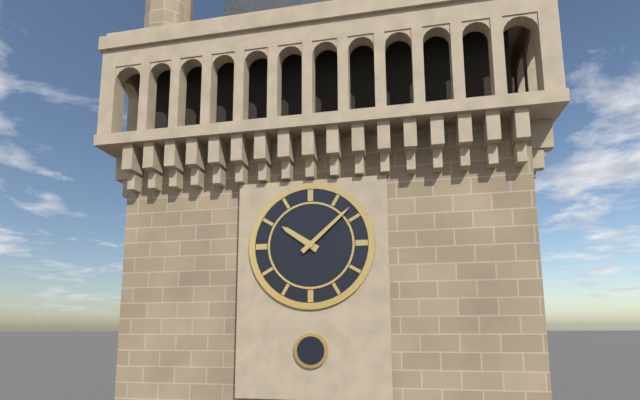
10.08
